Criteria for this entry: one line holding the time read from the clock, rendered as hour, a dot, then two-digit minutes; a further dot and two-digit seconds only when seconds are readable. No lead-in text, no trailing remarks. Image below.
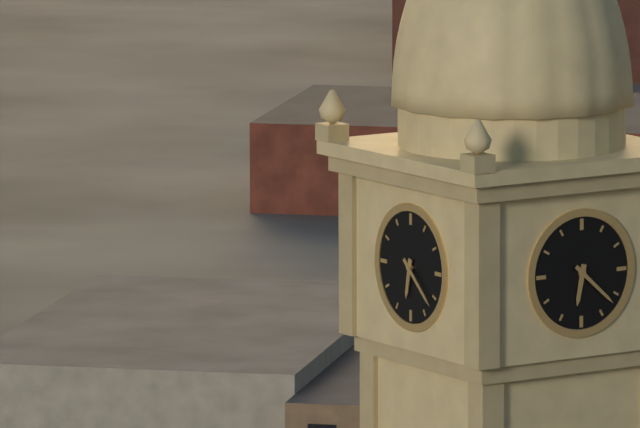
6.22
